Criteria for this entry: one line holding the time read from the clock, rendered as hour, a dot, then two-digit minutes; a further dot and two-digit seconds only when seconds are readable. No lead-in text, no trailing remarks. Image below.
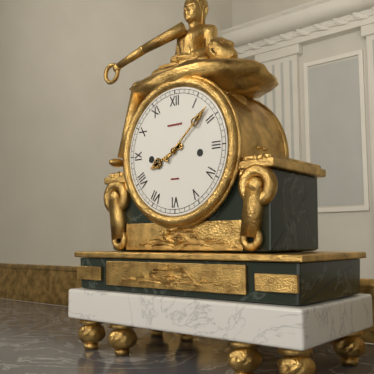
8.08
